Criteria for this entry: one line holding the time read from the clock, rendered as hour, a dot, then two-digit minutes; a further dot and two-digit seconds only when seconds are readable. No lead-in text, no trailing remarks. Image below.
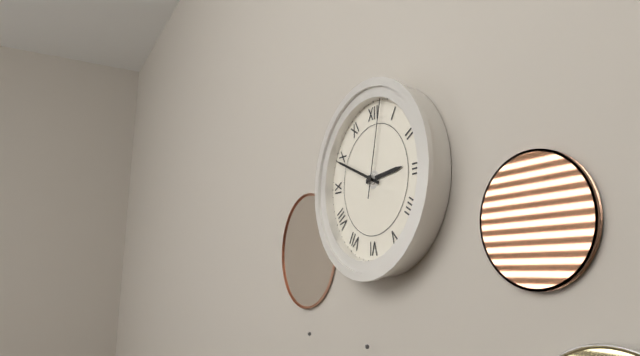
2.49.02
